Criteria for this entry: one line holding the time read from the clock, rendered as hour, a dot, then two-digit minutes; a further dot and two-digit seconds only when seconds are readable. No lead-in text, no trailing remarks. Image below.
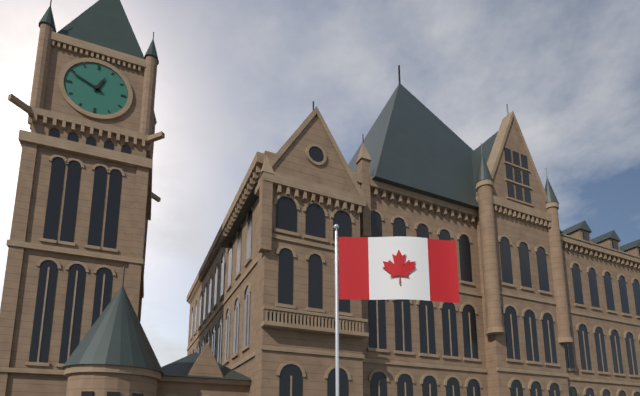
12.49
